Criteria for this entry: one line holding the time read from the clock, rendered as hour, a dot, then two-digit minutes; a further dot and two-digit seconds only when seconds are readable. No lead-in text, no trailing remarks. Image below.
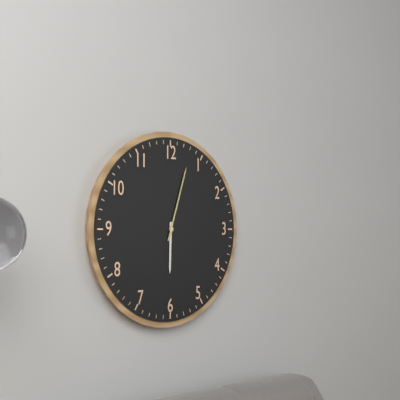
6.03
